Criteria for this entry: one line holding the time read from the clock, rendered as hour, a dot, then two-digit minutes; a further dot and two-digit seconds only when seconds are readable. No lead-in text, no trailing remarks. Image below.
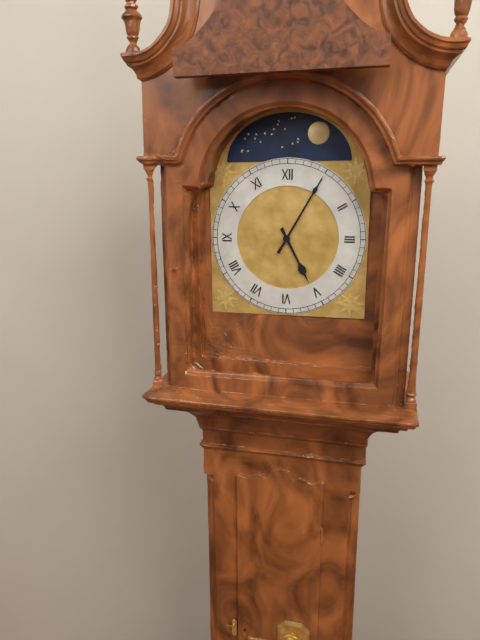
5.05
